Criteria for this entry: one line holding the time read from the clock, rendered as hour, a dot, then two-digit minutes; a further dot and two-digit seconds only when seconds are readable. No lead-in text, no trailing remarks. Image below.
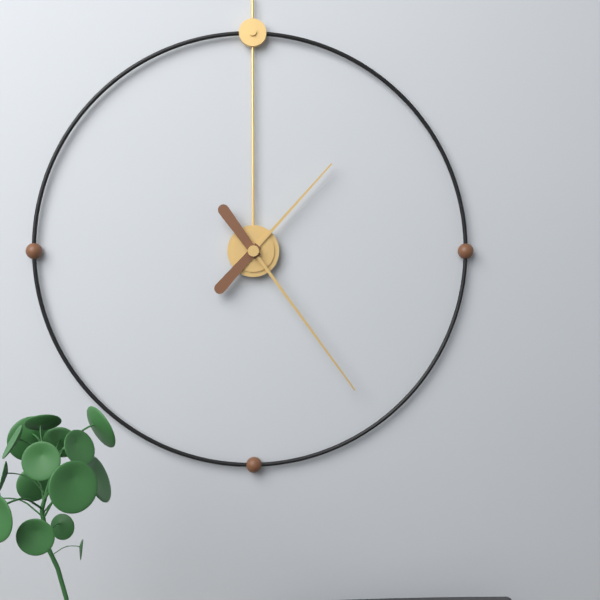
1.24
